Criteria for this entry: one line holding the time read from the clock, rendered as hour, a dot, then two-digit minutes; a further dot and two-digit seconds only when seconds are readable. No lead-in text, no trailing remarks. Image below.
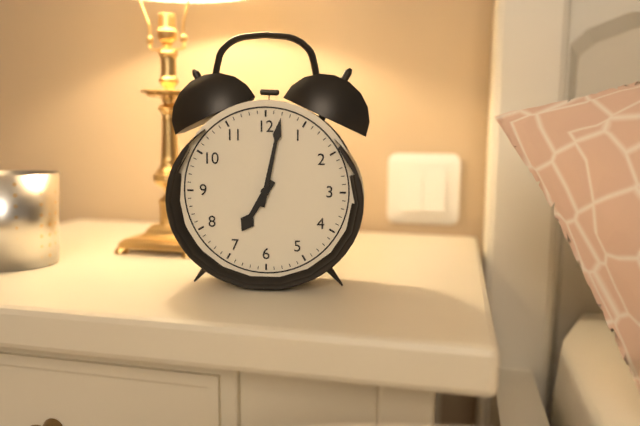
7.02
